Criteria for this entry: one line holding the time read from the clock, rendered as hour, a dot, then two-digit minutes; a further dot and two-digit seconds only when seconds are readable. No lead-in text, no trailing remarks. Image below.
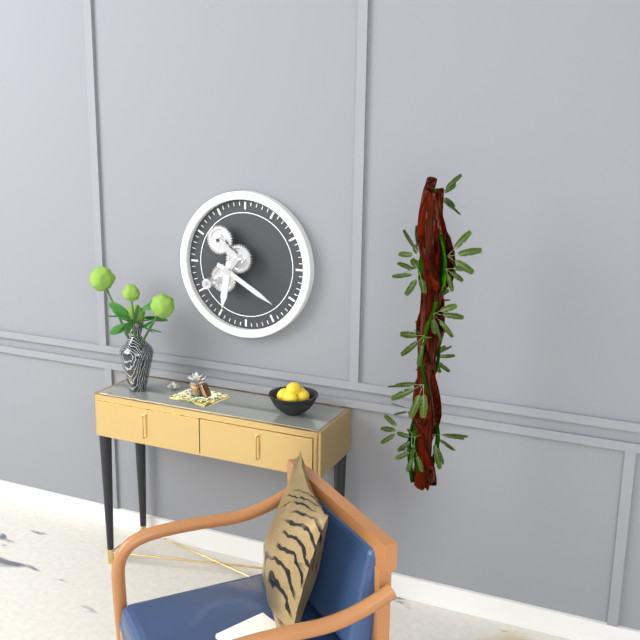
6.20
